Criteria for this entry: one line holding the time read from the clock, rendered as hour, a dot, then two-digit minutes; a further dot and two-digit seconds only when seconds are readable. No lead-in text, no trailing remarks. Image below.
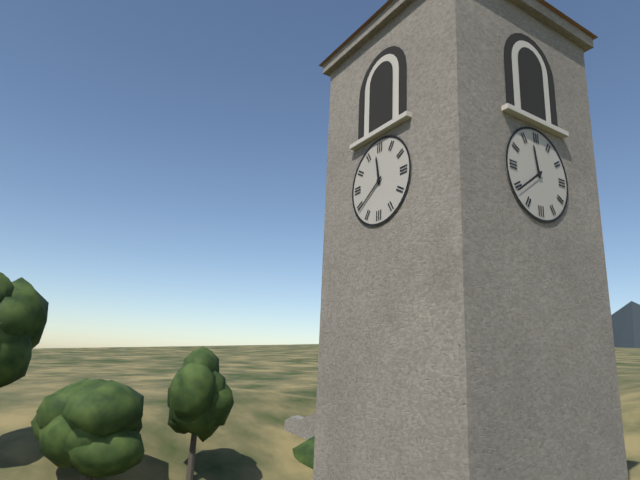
11.39
